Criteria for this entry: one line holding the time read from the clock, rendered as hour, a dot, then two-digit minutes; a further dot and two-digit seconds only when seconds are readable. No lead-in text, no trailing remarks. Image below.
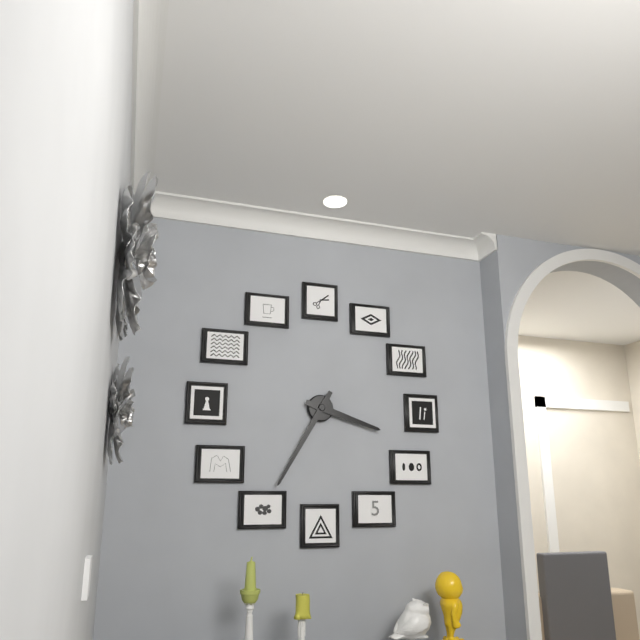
3.35
